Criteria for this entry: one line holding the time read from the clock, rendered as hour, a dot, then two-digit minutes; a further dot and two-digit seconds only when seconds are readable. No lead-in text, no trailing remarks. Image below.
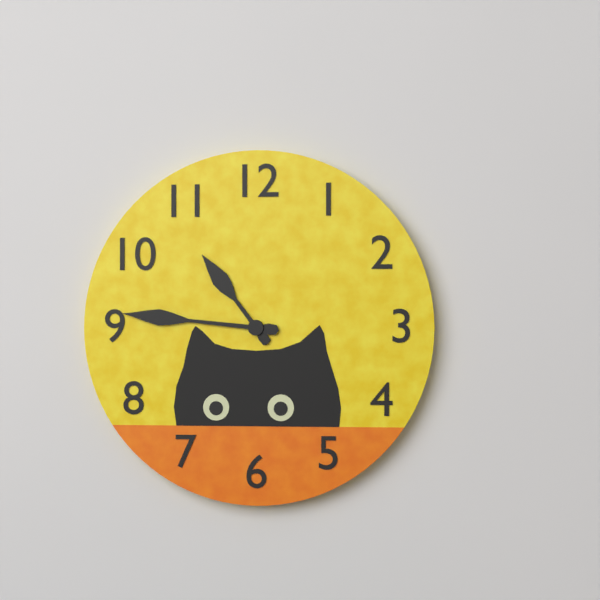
10.46
